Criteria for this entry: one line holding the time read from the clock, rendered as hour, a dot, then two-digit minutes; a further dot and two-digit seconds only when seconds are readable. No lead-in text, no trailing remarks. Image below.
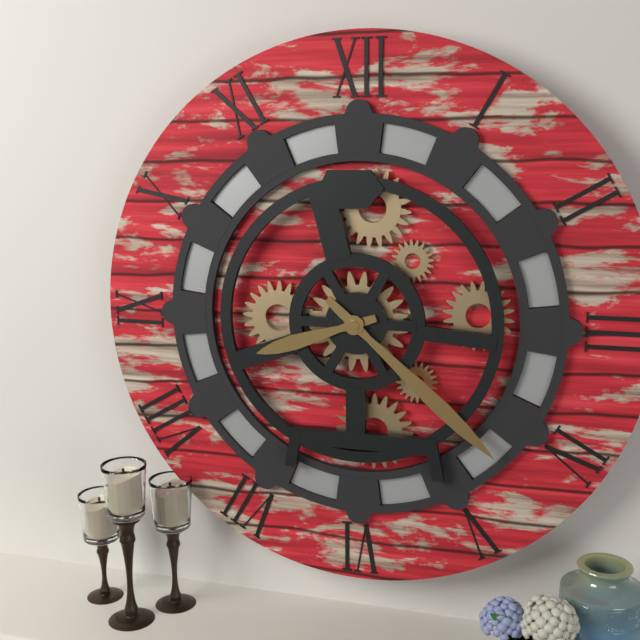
8.22
